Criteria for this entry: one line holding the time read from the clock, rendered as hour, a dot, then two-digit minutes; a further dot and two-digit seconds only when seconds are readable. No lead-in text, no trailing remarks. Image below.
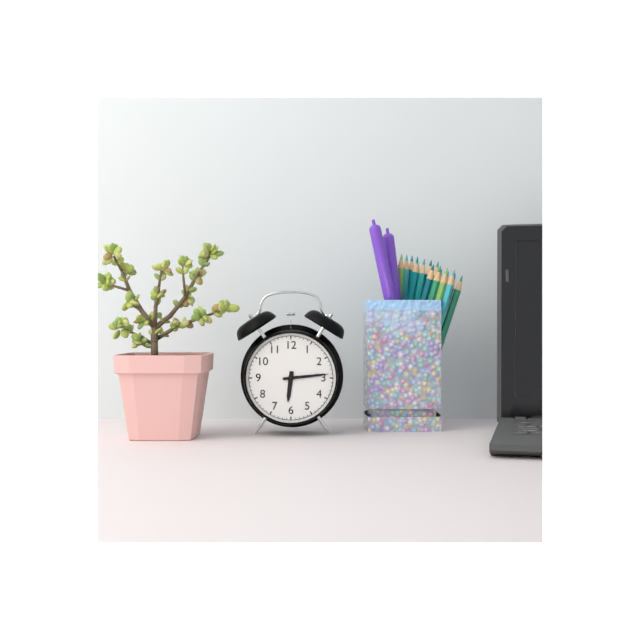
6.14
